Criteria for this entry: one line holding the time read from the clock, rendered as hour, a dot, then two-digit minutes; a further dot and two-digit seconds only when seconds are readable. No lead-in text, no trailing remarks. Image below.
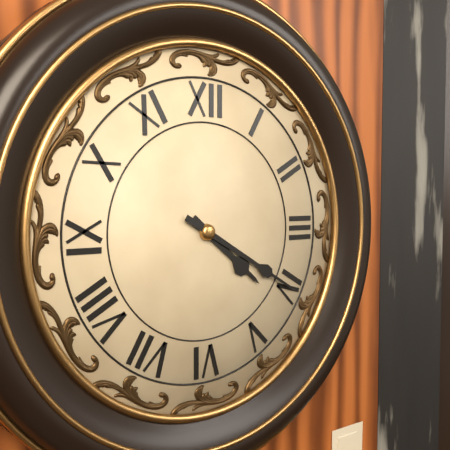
4.20
